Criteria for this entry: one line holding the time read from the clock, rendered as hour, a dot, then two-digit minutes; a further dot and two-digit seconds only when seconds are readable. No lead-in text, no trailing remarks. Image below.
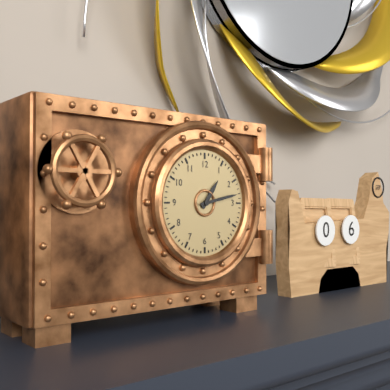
1.13
